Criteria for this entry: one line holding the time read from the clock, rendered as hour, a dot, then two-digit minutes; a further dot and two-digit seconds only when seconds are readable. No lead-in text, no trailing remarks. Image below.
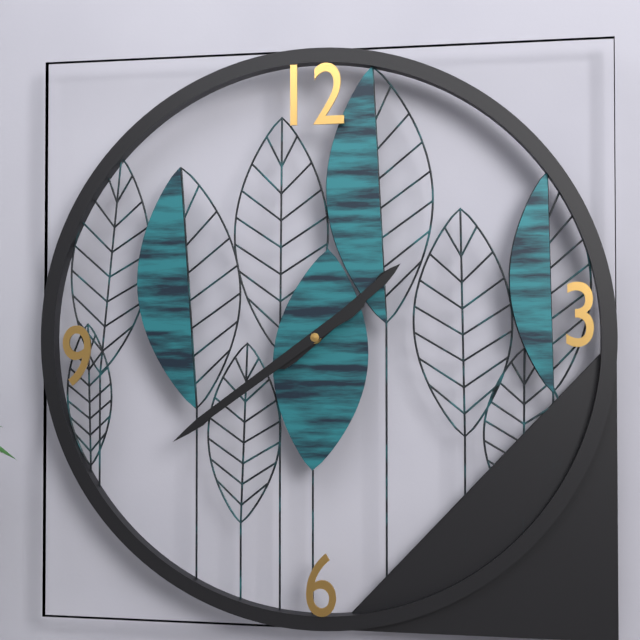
1.39
